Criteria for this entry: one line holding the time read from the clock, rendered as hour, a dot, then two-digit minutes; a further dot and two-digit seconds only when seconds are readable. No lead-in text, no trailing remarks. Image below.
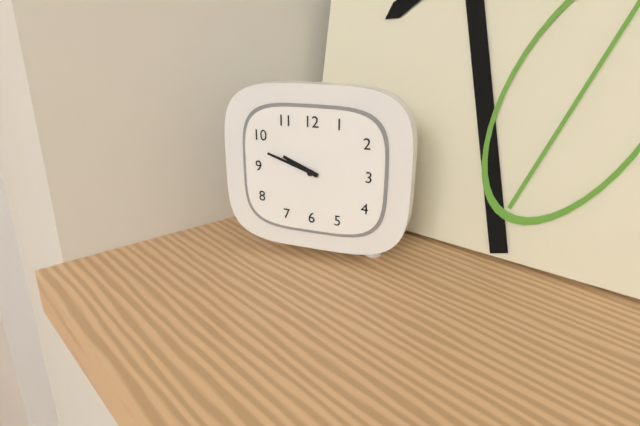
9.48
